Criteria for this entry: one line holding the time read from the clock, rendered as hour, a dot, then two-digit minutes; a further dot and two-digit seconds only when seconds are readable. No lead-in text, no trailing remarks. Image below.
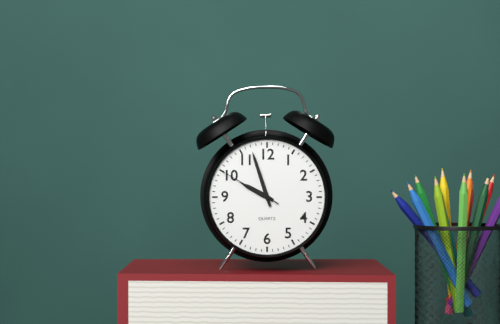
9.57.50
